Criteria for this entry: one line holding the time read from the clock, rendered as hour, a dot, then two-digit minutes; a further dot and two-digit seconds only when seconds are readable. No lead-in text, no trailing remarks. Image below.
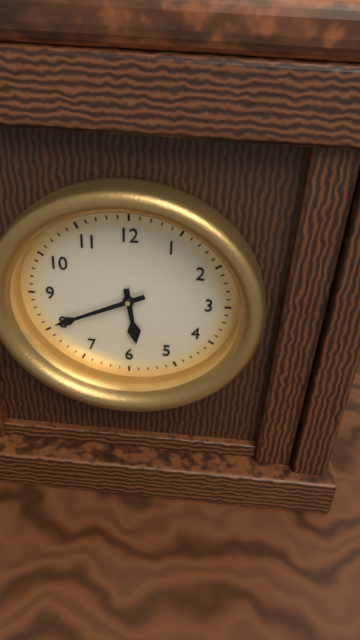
5.41
